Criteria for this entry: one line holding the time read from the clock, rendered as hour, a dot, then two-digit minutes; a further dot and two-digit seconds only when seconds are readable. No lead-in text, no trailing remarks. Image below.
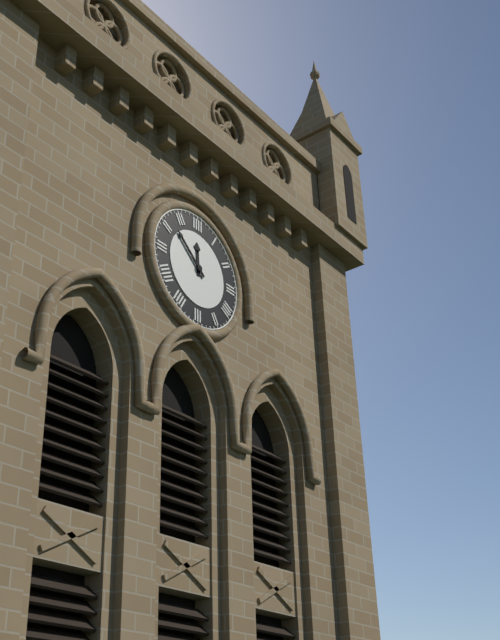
11.52
